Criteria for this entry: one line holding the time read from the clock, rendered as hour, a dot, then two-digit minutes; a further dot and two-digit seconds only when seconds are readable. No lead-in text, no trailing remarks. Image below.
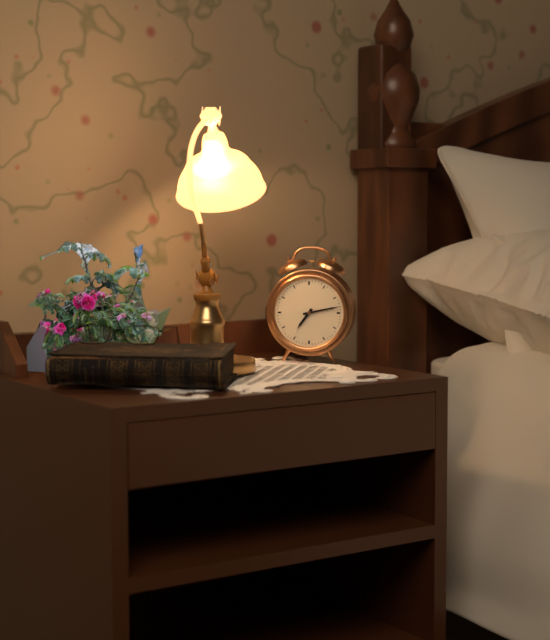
7.13
